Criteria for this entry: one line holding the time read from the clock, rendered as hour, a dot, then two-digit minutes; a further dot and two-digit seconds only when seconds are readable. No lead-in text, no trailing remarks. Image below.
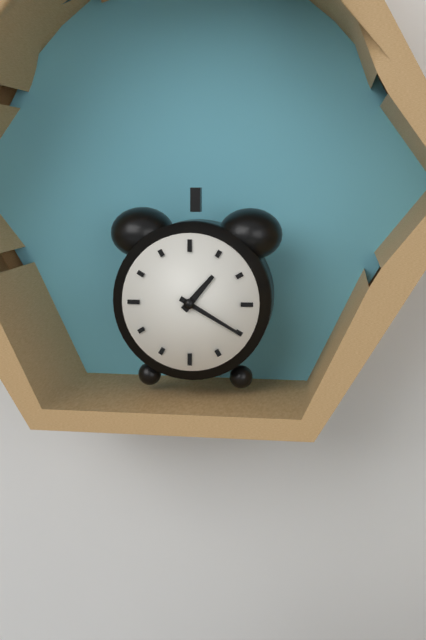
1.20
